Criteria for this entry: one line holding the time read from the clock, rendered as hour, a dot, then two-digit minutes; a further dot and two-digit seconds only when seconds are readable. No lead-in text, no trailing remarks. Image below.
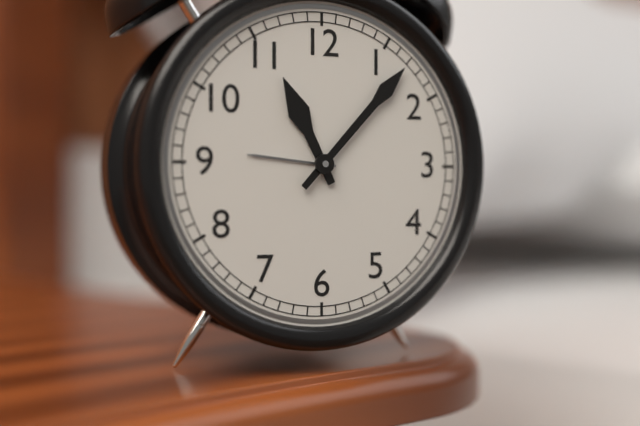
11.07
